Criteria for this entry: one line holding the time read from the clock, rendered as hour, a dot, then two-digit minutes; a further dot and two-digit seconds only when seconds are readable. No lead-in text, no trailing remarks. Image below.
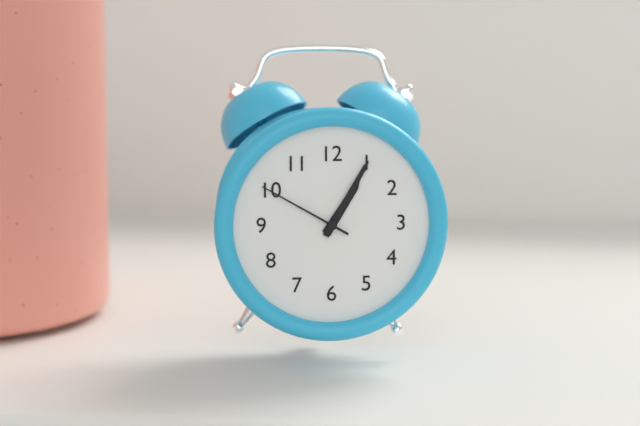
1.05.50
